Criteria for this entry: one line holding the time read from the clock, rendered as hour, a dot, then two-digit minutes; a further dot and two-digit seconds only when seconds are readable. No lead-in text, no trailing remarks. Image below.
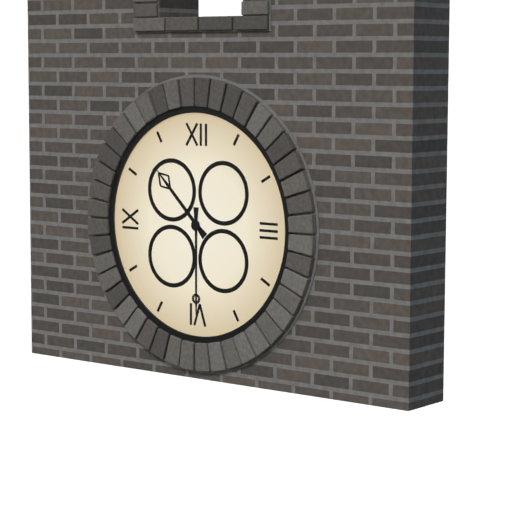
10.30
